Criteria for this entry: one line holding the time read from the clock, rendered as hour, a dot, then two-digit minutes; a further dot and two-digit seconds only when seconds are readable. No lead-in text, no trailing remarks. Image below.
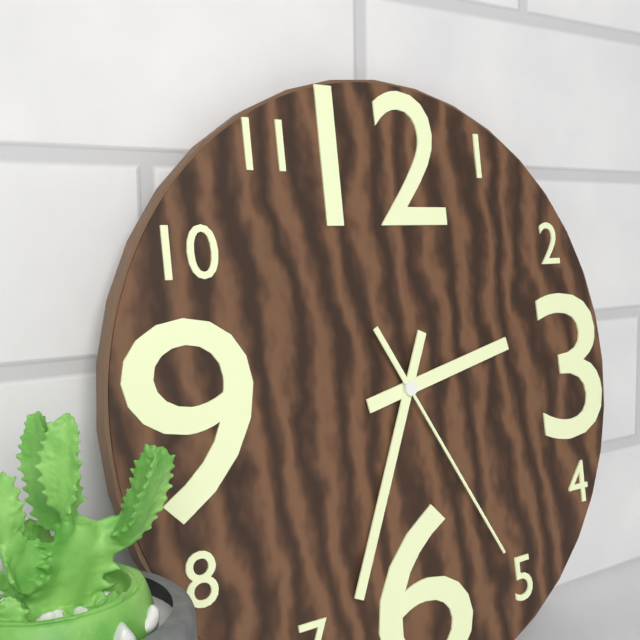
2.34.25
